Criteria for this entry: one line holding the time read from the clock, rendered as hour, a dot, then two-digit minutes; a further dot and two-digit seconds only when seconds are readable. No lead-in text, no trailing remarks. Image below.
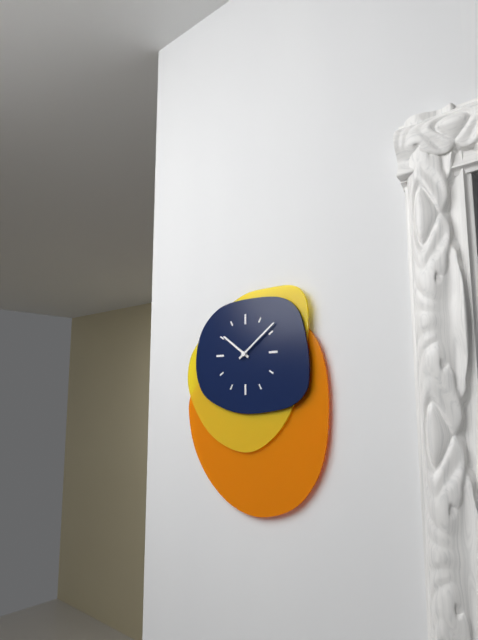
10.09
